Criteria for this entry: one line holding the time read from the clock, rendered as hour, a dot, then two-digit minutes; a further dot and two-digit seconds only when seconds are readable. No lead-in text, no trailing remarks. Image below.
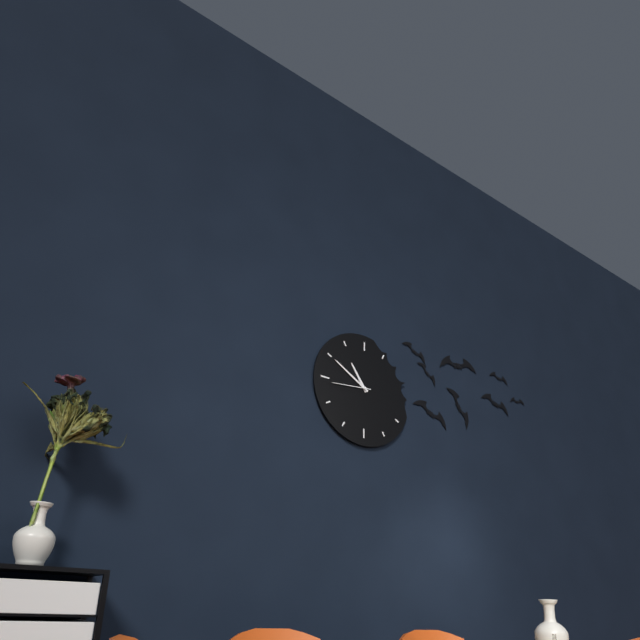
10.50
